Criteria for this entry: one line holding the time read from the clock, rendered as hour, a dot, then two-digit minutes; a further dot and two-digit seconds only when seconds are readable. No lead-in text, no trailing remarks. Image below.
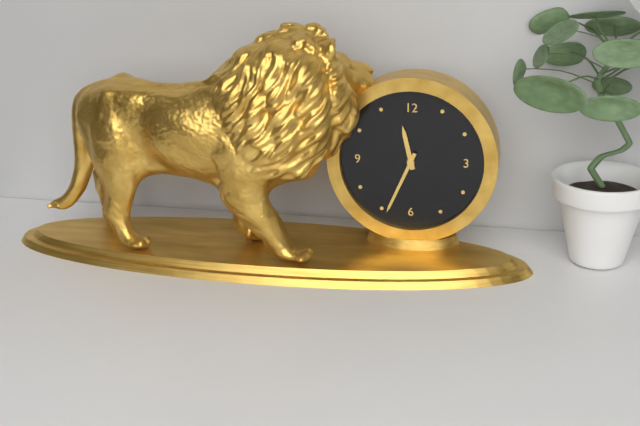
11.34
